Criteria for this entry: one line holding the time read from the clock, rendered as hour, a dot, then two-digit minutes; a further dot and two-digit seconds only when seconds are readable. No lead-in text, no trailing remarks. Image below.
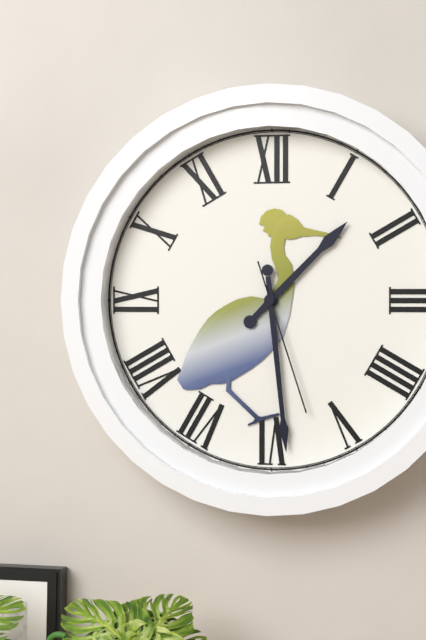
1.29.27
